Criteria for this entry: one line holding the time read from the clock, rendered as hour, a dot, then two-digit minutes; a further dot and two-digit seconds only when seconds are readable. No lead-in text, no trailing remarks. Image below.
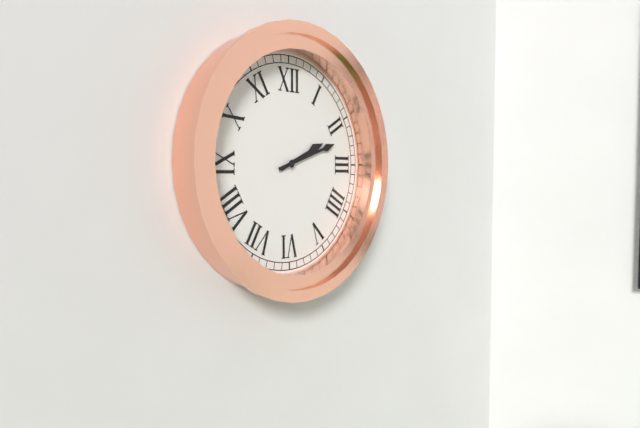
2.12
